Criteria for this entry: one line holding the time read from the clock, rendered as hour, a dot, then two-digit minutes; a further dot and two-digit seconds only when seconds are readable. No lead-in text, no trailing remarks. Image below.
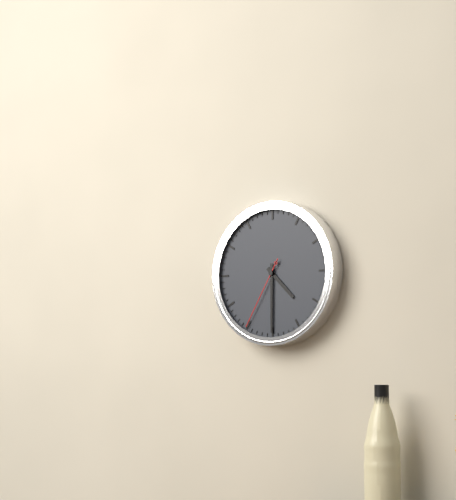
4.30.35
